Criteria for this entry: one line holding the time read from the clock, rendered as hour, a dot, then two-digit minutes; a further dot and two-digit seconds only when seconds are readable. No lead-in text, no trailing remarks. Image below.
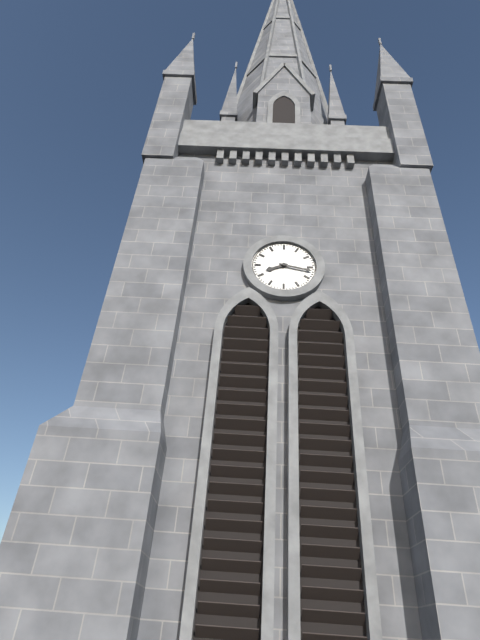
8.17
